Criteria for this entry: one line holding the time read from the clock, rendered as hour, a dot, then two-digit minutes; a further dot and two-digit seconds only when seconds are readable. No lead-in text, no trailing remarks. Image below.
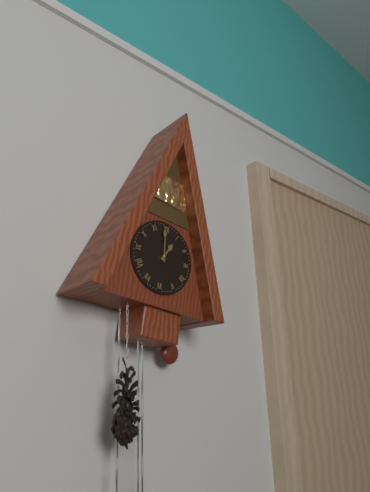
12.59
